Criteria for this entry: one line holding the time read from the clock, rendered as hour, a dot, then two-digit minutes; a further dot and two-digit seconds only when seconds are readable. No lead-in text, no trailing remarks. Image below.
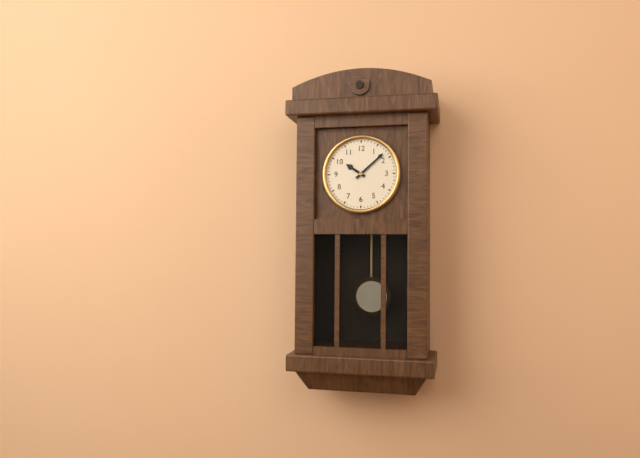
10.08
